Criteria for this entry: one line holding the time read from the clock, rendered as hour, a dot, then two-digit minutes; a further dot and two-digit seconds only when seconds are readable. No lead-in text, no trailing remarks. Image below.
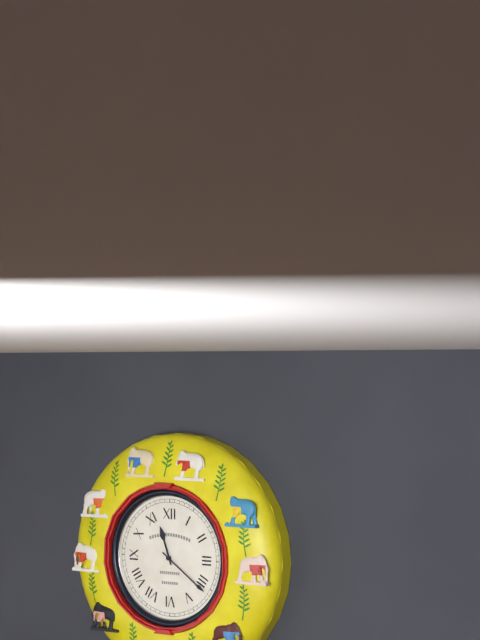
11.21
